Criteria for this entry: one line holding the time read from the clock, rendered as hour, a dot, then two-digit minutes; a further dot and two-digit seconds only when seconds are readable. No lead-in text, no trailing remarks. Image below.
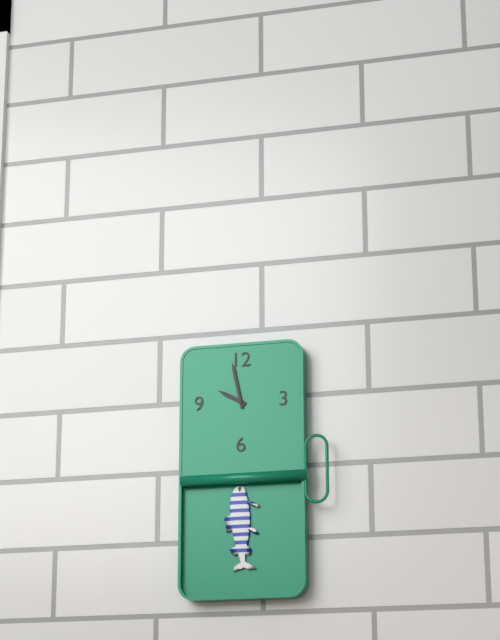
9.58
